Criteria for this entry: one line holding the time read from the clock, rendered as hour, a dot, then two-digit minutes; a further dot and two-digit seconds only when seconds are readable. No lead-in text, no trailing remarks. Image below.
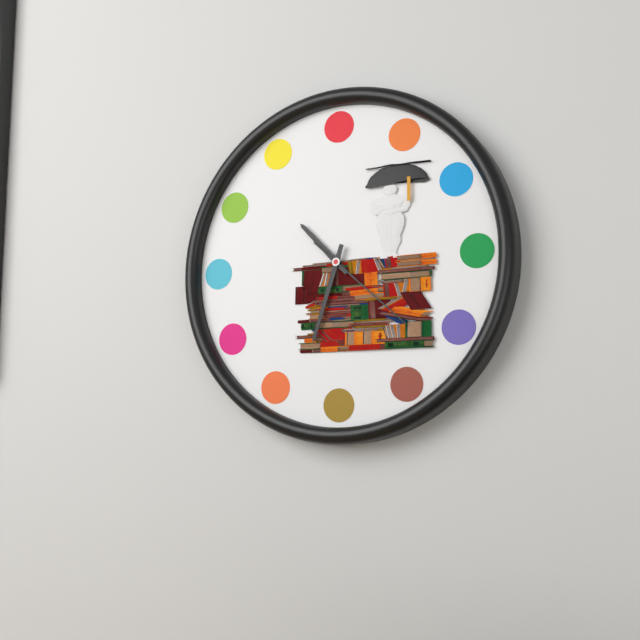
10.33.22
